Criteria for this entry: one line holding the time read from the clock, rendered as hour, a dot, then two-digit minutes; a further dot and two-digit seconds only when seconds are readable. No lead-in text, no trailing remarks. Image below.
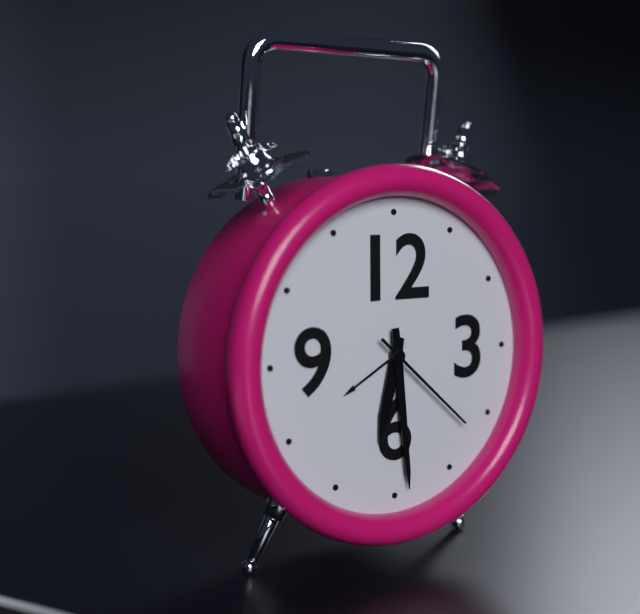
6.29.22
